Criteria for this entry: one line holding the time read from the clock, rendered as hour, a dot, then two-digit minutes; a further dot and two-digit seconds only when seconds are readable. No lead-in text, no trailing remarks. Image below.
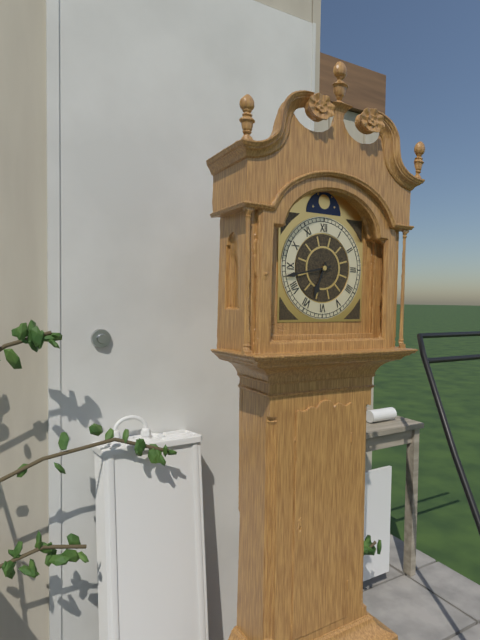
6.43
